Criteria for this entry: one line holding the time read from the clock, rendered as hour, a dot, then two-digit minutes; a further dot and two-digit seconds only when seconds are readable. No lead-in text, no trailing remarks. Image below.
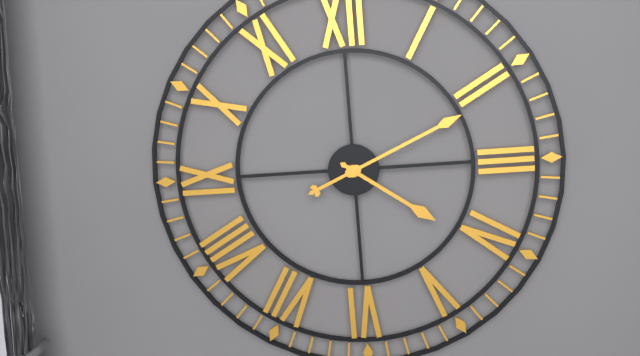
4.11
